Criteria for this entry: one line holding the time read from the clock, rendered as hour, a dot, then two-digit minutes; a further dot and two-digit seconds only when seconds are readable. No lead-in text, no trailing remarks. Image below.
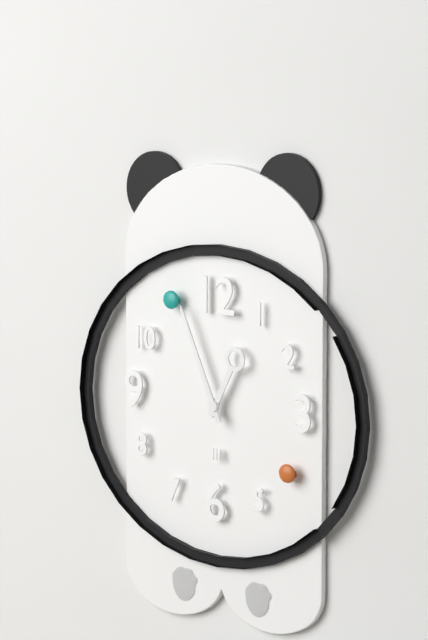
12.56
